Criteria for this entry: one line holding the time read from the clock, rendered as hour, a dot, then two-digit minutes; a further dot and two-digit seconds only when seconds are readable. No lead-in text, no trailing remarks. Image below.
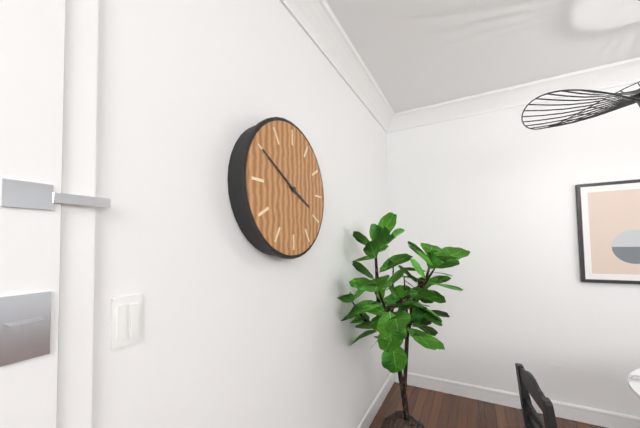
3.50
